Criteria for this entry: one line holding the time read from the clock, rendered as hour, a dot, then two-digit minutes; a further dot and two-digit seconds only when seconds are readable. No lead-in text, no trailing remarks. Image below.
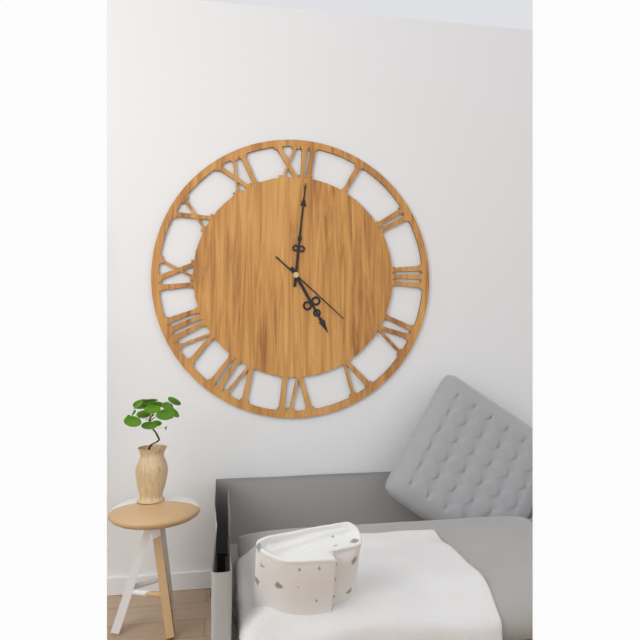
5.01.22
